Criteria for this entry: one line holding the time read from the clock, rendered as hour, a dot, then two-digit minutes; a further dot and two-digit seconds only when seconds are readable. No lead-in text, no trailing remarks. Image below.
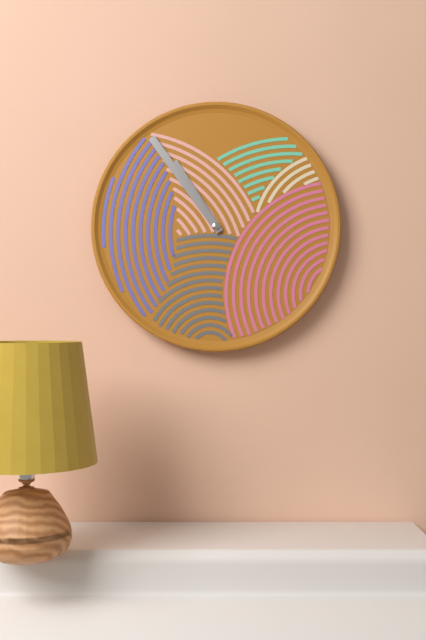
10.54
